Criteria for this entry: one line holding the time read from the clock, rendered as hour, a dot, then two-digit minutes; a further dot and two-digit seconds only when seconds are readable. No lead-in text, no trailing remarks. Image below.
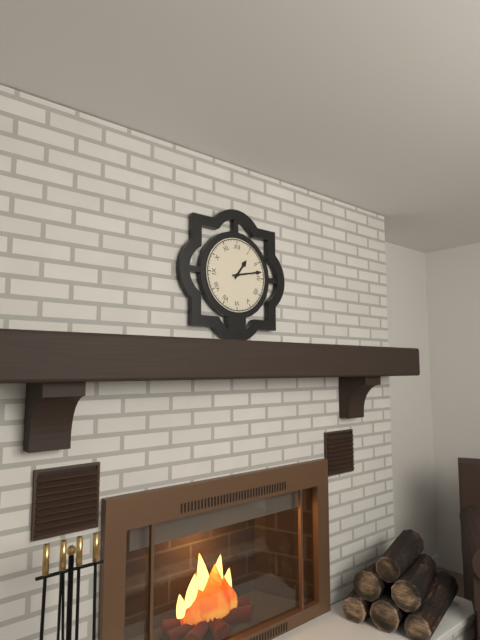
1.13
